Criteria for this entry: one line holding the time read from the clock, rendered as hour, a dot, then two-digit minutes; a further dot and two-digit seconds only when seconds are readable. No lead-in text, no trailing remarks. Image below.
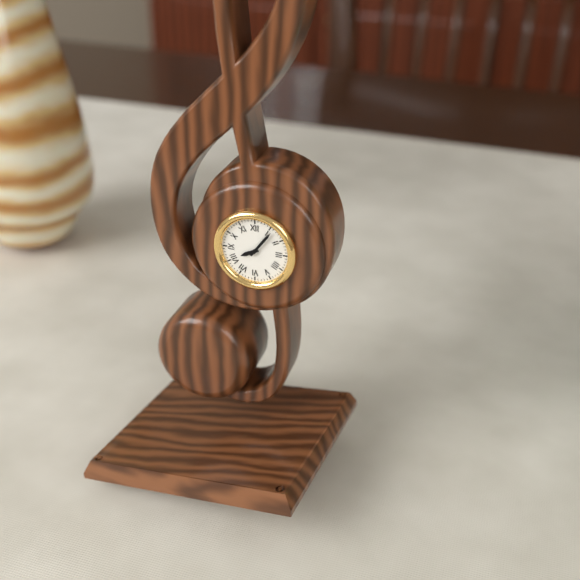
8.06
